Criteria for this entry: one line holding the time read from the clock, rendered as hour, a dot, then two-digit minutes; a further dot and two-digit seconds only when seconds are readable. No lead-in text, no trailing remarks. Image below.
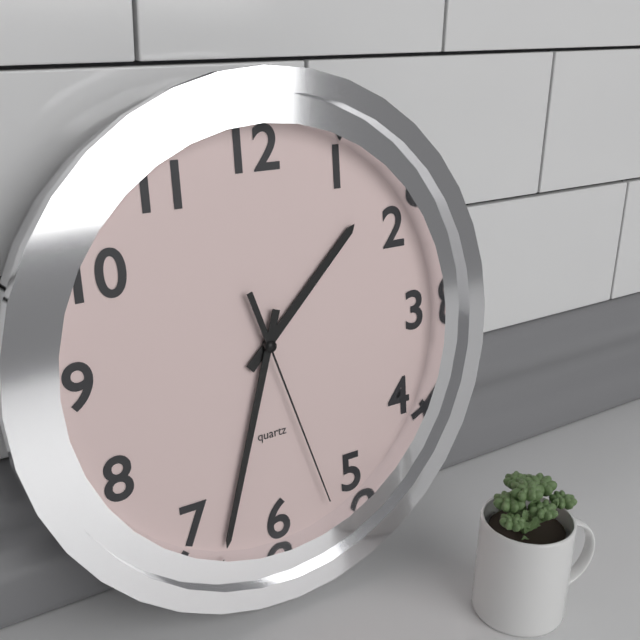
1.33.27
